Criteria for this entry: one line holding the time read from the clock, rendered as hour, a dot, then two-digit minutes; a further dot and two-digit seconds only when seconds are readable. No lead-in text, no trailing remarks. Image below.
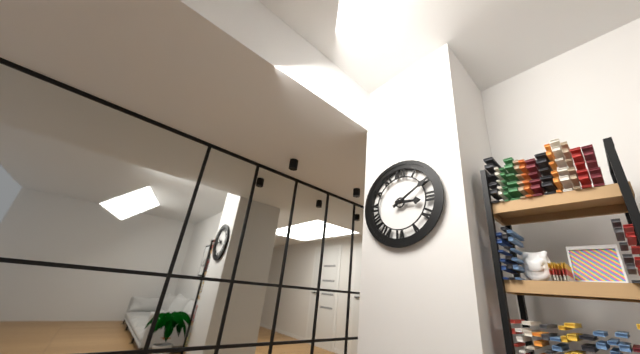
3.10
